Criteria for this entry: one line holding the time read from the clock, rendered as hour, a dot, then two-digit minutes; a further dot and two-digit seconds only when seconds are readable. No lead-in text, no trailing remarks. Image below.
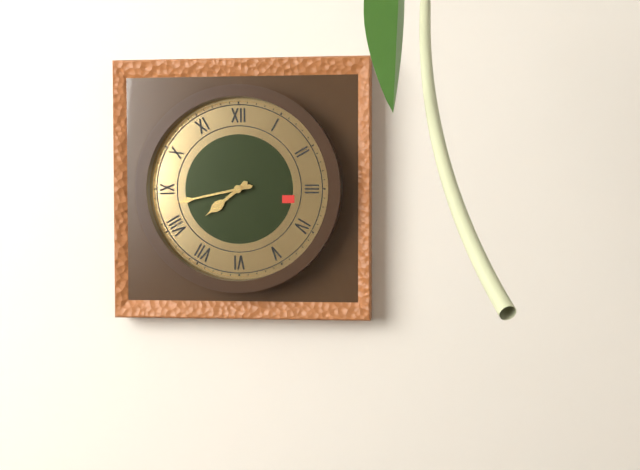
7.43
